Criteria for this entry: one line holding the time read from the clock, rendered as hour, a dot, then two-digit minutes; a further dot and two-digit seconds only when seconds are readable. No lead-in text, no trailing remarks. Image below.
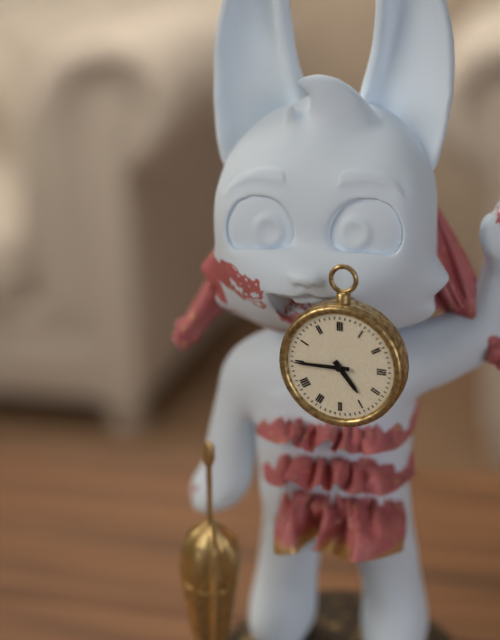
4.45
